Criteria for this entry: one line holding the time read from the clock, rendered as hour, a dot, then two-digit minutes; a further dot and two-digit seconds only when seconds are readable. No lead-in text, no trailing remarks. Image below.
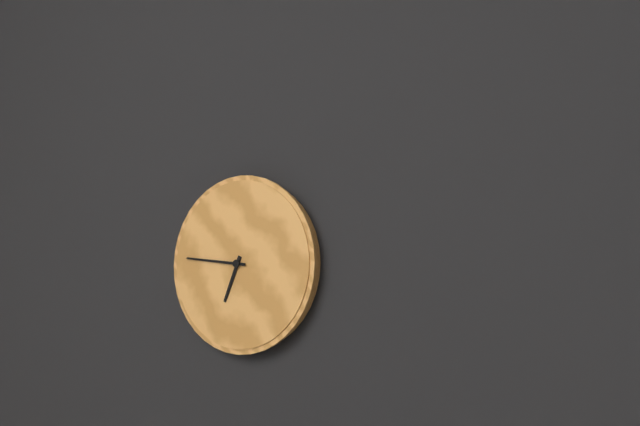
6.46
